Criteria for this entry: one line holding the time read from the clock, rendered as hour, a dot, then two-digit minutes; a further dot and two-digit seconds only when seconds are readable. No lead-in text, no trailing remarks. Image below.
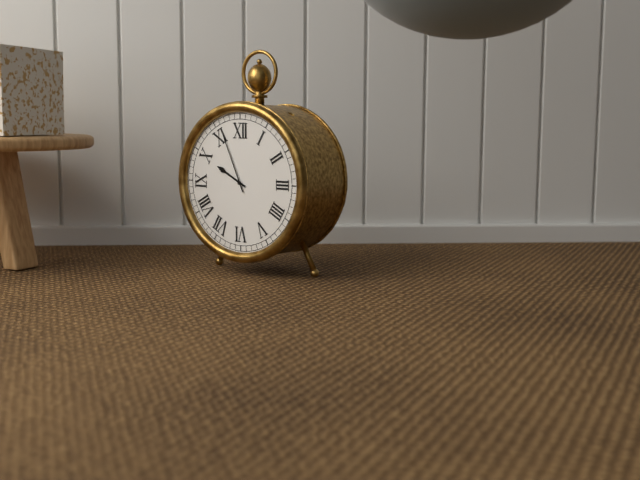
9.56
